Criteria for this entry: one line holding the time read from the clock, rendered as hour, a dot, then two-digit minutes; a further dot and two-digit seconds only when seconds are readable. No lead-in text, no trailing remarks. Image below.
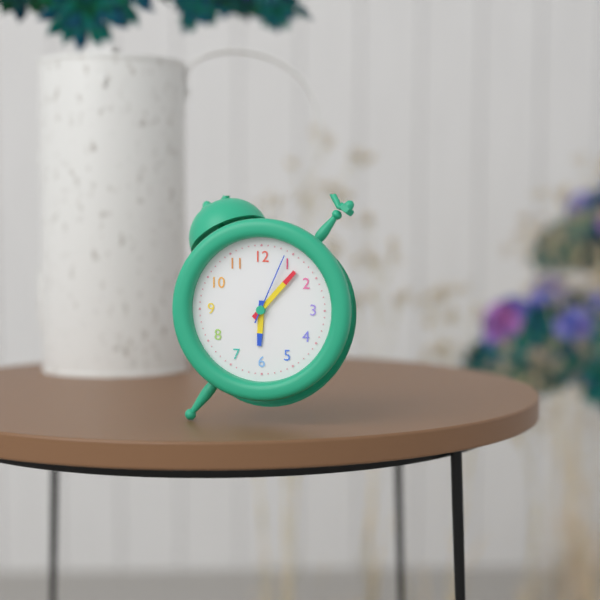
6.07.04
